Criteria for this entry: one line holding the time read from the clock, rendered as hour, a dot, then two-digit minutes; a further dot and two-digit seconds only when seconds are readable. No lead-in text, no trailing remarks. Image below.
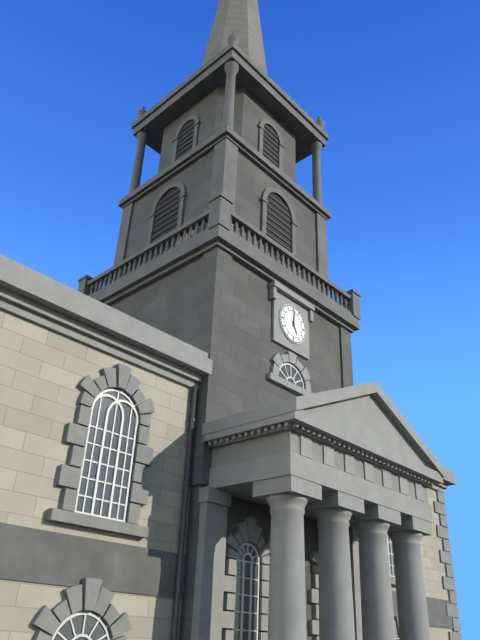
5.01
